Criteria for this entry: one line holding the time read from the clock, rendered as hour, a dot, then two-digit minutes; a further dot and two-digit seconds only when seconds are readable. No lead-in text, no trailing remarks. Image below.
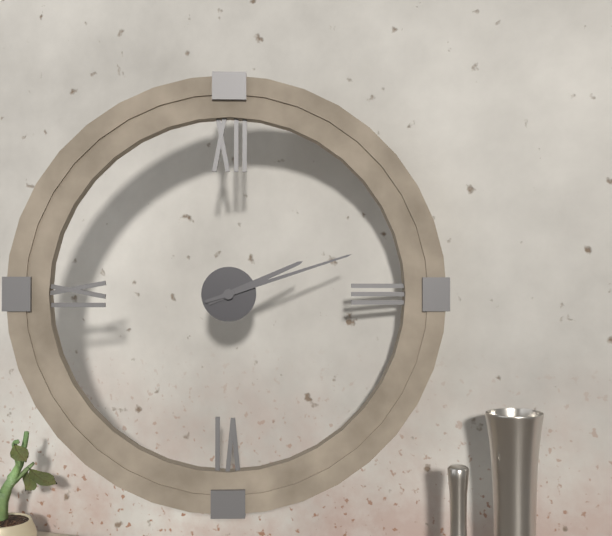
2.12
